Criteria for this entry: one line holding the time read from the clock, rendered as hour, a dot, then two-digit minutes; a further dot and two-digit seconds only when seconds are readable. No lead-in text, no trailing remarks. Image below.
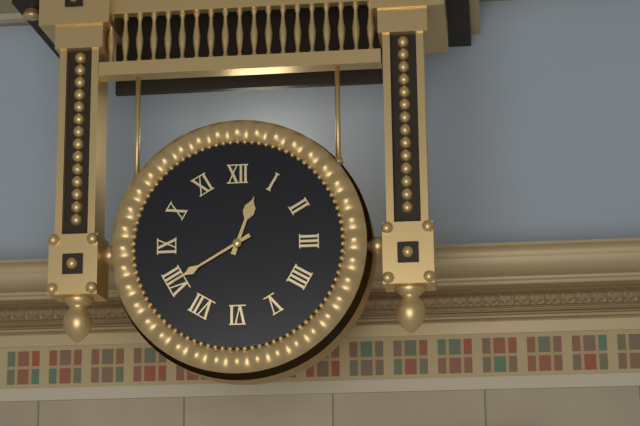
12.40
